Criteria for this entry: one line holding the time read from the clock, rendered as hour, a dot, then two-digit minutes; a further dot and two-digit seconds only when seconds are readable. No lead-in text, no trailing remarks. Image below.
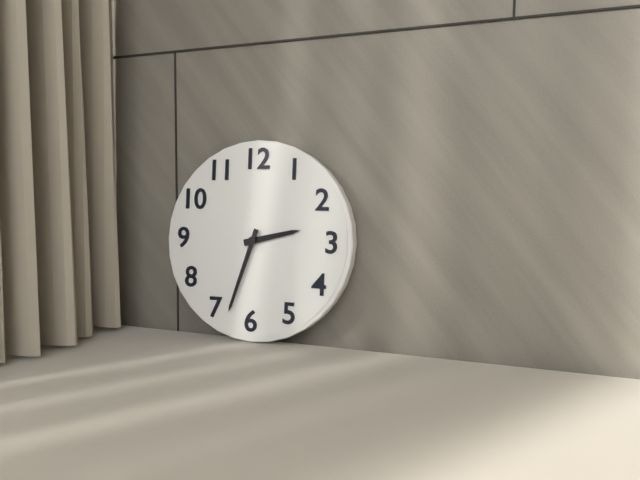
2.33
